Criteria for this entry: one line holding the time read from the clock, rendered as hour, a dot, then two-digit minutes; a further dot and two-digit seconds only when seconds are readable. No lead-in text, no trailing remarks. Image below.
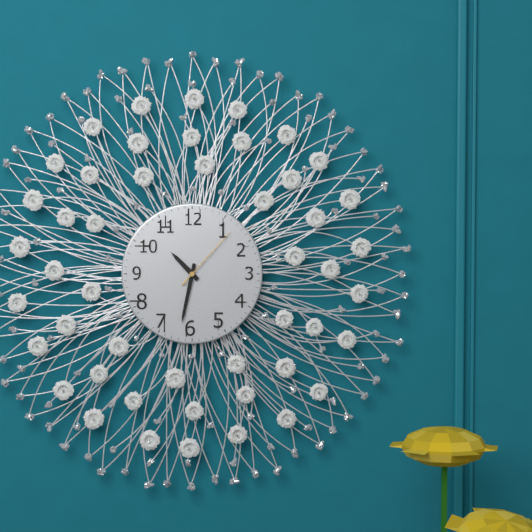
10.32.07
